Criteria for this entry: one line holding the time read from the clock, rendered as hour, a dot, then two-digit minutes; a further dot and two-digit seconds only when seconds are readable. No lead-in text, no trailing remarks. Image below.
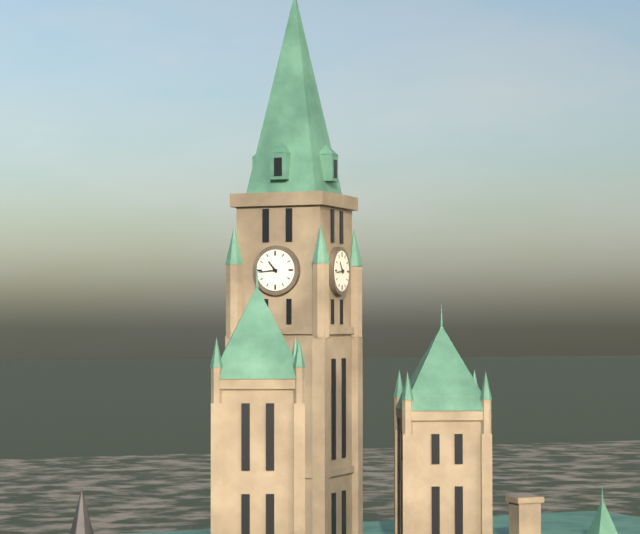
10.44
